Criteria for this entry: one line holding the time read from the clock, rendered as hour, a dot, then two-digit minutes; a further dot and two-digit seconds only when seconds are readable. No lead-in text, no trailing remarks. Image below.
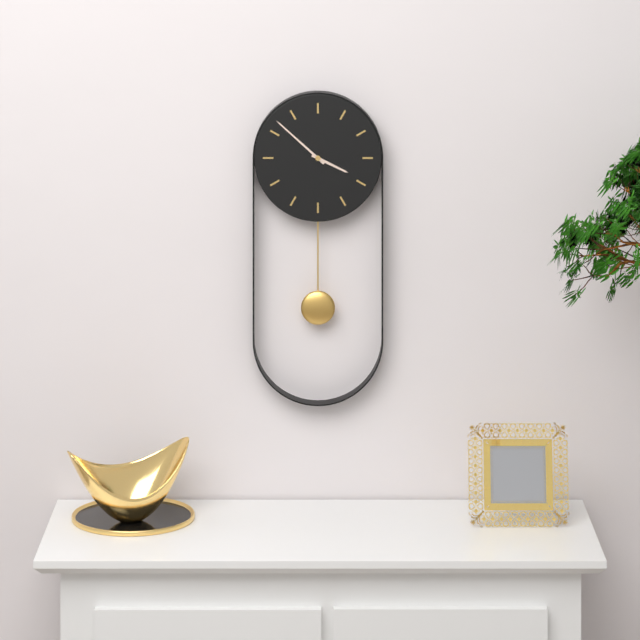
3.52
